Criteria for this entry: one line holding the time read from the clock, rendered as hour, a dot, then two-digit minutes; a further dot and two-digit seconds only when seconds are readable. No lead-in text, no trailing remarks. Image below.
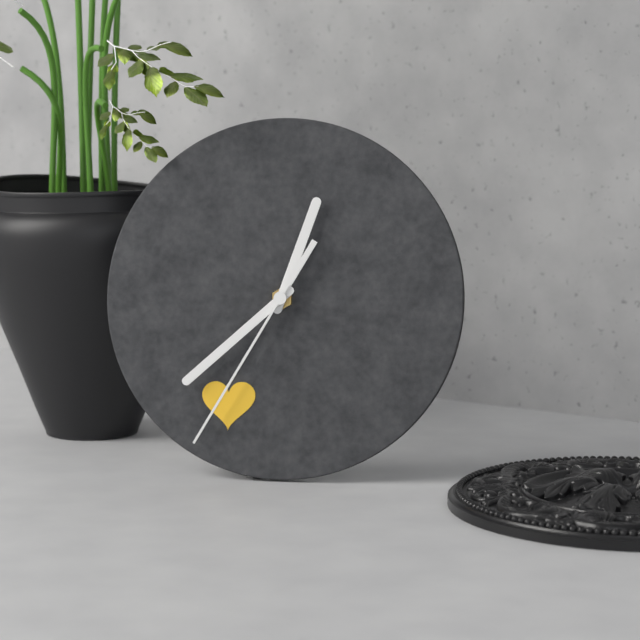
12.38.35
